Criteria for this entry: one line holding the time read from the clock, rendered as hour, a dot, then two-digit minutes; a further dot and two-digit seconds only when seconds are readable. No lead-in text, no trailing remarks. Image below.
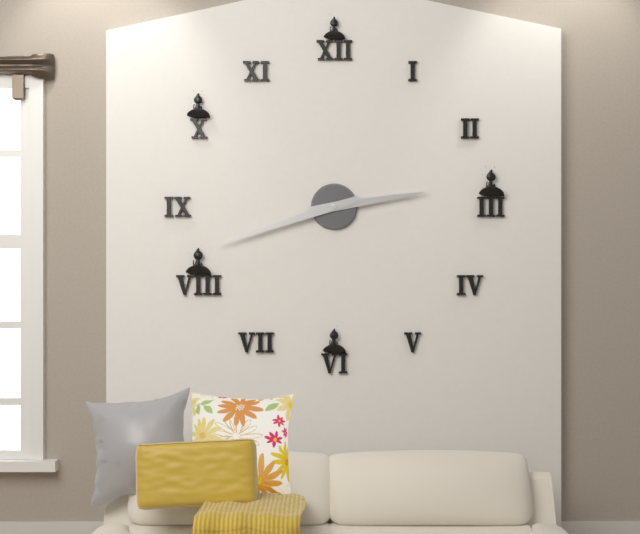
2.42
